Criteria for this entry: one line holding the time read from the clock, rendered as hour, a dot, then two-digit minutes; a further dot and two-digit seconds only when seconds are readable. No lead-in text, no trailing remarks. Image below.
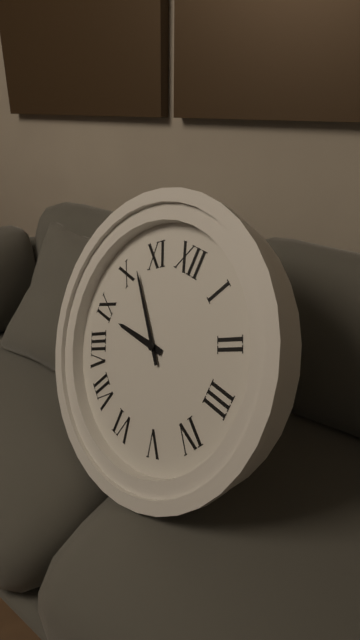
8.52
